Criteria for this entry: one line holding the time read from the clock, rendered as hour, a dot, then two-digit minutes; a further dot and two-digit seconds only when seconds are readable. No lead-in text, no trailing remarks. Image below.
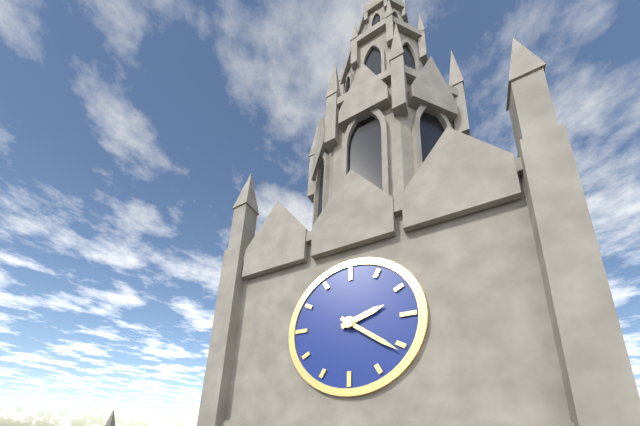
2.21
